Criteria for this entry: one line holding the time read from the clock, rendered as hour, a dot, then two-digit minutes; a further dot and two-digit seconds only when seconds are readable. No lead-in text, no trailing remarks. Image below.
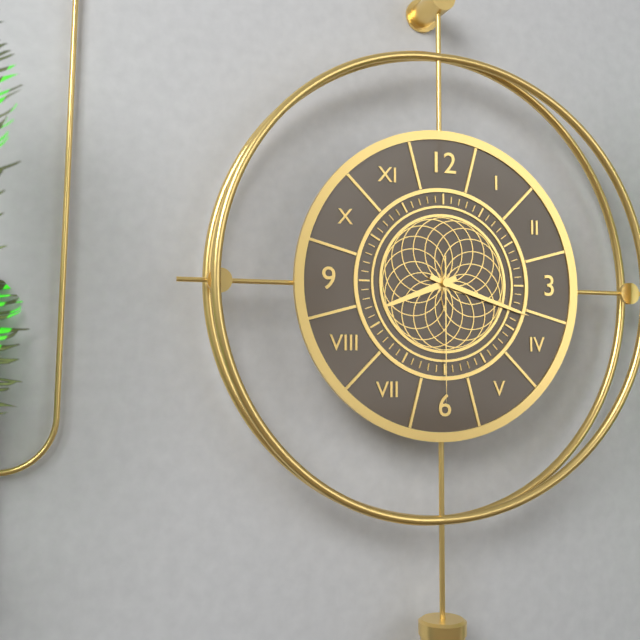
8.18.30
